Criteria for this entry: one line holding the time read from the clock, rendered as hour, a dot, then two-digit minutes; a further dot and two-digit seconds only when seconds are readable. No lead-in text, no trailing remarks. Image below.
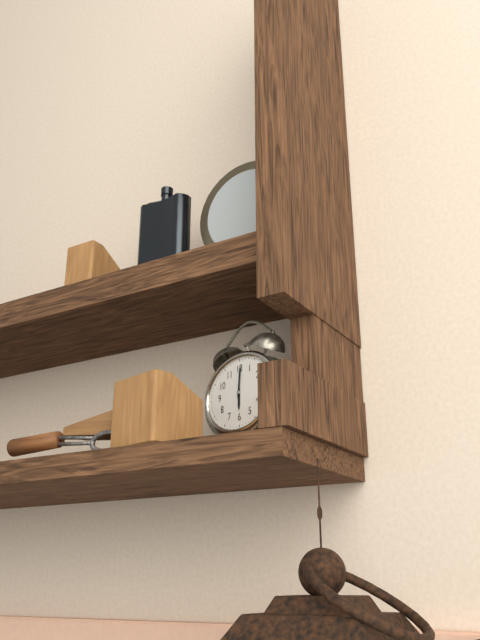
6.01
